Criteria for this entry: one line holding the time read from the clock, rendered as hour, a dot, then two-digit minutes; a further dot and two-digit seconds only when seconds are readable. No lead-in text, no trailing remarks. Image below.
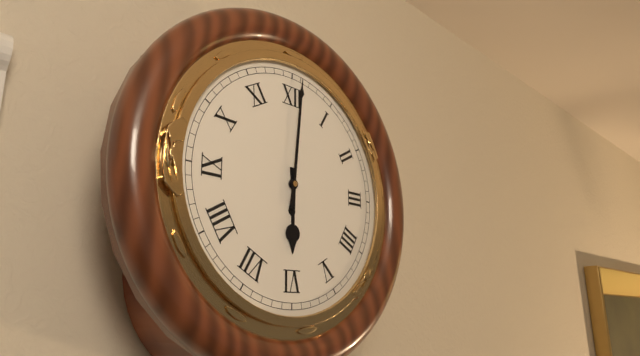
6.01
